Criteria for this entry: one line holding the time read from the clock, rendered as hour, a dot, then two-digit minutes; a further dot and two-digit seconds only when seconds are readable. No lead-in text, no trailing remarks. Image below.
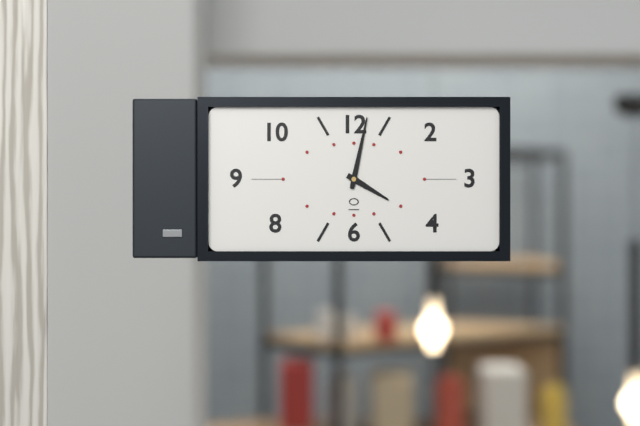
4.02
